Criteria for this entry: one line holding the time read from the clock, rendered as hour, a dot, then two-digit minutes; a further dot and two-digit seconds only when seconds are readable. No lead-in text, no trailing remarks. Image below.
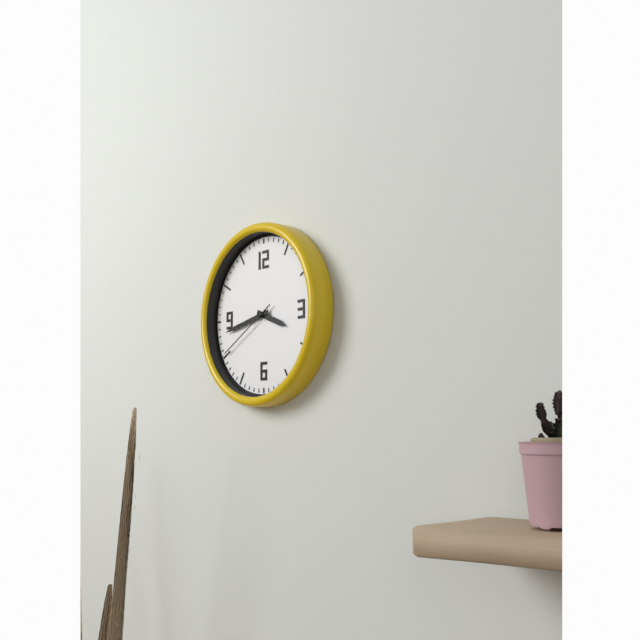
3.43.40
